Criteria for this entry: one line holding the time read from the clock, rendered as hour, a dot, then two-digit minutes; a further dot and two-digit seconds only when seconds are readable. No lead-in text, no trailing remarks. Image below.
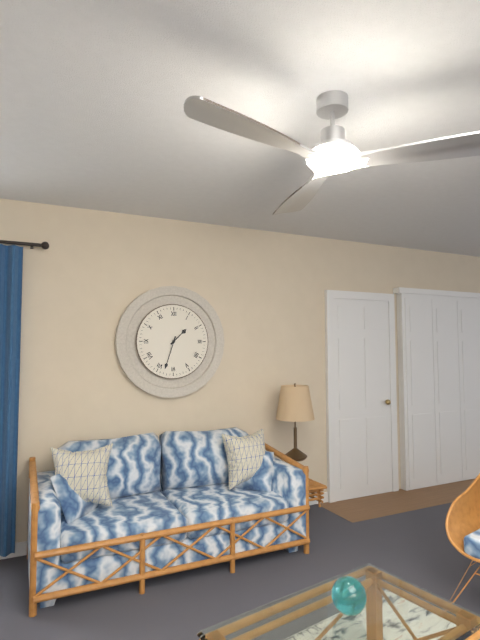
1.33
